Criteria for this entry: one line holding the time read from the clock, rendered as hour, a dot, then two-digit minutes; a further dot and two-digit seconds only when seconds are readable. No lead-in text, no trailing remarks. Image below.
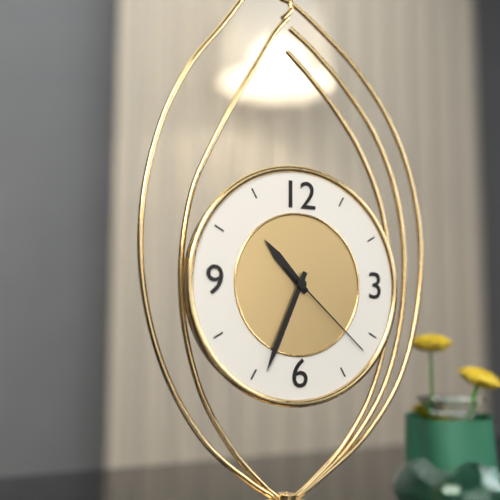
10.34.22
